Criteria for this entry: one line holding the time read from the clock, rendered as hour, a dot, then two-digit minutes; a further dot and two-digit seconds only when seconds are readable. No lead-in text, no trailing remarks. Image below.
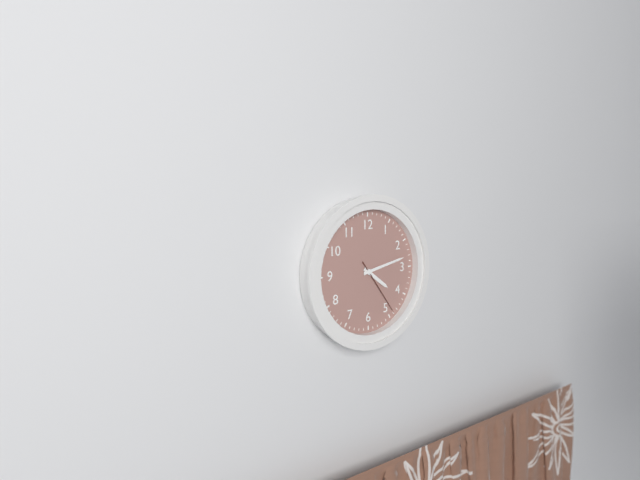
4.13.24
